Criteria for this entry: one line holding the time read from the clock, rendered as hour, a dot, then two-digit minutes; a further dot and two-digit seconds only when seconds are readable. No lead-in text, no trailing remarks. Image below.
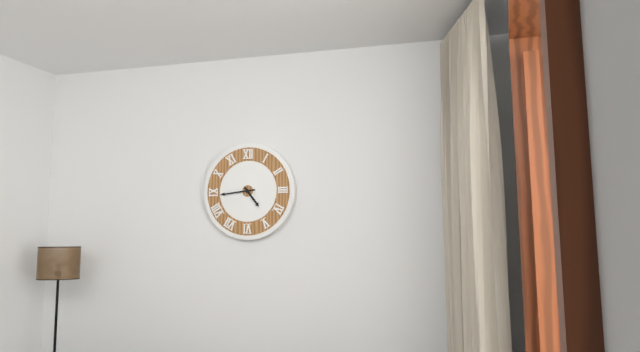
4.44
